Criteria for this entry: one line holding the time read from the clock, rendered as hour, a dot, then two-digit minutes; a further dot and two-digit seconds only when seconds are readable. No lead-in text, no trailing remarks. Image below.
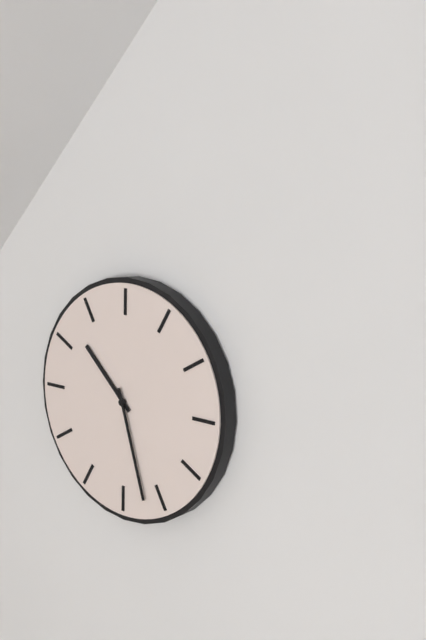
10.27
